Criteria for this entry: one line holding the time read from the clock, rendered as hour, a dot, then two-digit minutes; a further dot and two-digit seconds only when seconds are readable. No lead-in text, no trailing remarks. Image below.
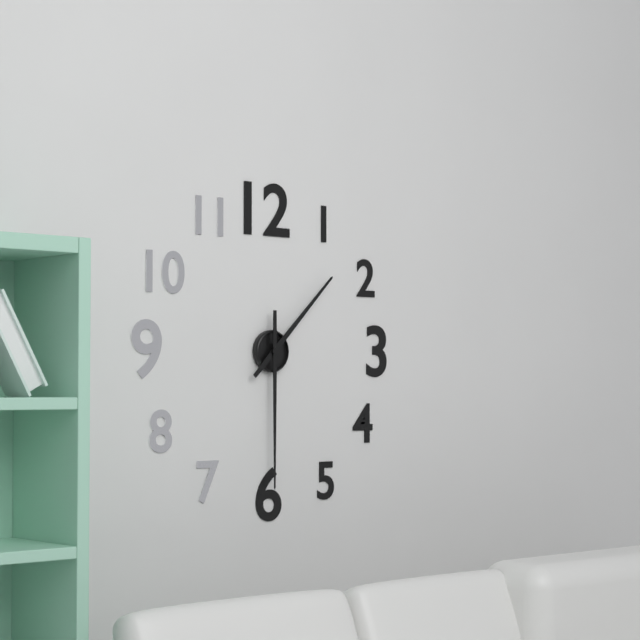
1.30
